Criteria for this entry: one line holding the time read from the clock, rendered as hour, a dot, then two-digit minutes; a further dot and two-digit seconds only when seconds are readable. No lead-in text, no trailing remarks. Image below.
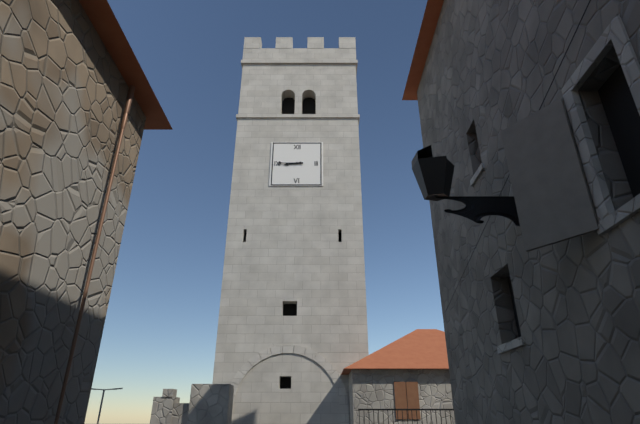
8.45
